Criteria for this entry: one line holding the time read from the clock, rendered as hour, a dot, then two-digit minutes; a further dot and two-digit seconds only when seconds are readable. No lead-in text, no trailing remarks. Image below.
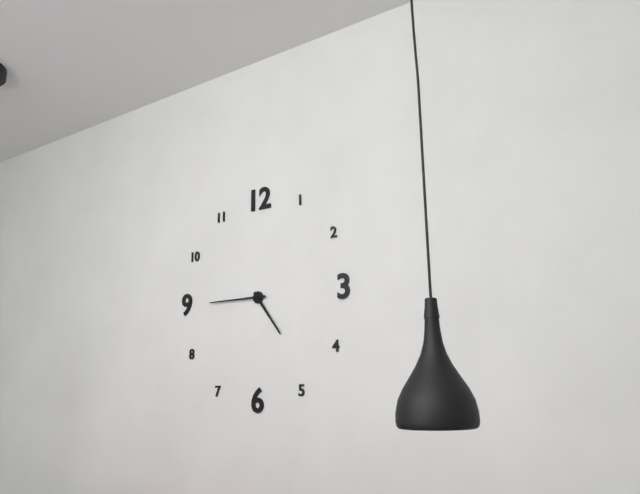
4.45
